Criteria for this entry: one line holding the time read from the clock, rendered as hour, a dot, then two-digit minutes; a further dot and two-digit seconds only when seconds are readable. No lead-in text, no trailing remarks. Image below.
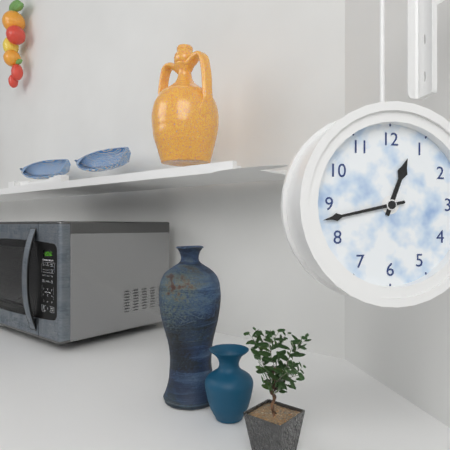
12.43
